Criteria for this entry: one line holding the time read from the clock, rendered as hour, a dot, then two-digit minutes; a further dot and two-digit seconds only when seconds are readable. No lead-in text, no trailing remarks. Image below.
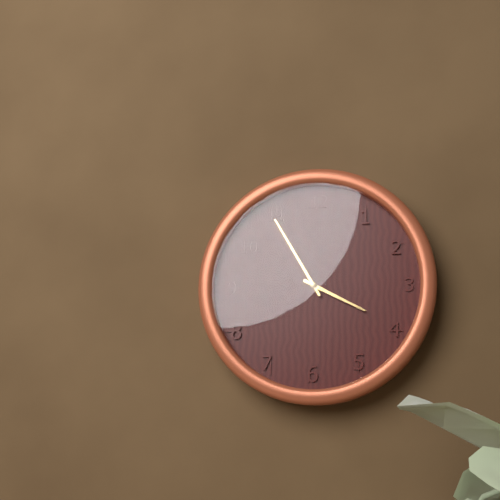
3.55
